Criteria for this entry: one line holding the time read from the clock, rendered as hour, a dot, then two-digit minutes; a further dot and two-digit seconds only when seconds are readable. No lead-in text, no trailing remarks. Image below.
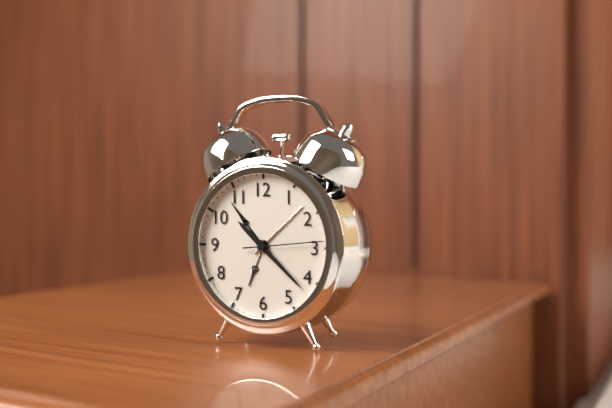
10.22.14
